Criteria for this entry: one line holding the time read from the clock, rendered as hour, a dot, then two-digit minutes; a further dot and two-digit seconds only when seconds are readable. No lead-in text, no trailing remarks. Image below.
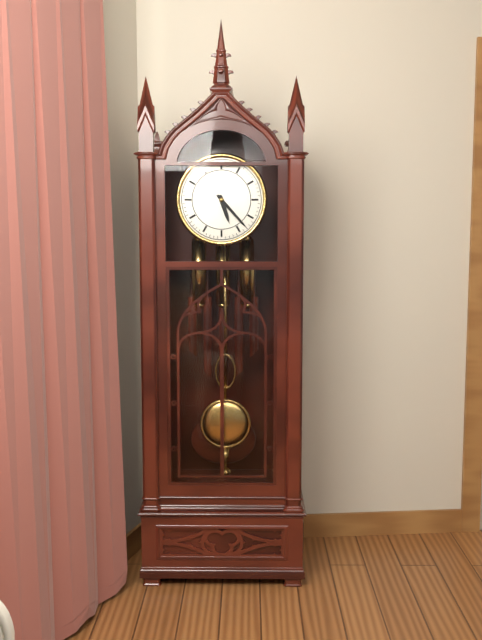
5.23
